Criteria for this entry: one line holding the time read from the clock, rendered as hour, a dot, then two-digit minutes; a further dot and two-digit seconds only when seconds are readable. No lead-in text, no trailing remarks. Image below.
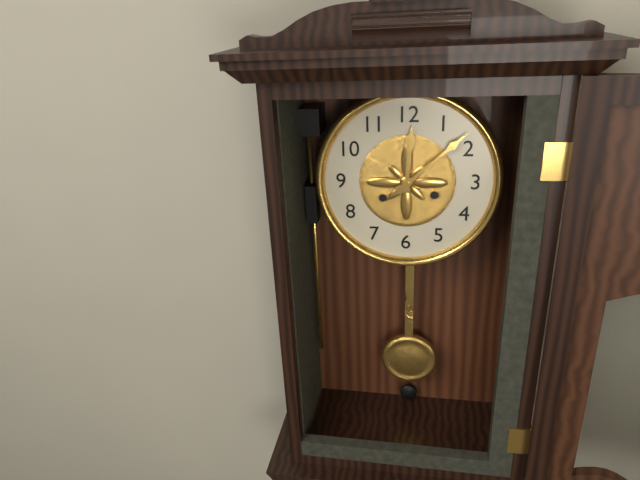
12.08
